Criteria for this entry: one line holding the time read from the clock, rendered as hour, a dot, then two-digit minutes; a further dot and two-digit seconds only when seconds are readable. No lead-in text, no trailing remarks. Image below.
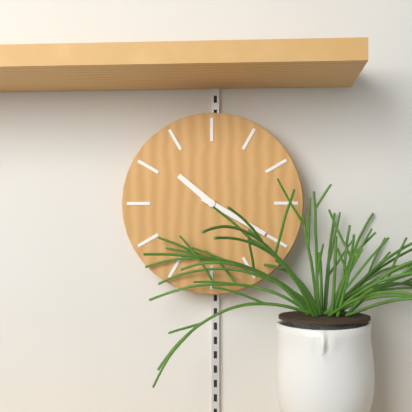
10.20
